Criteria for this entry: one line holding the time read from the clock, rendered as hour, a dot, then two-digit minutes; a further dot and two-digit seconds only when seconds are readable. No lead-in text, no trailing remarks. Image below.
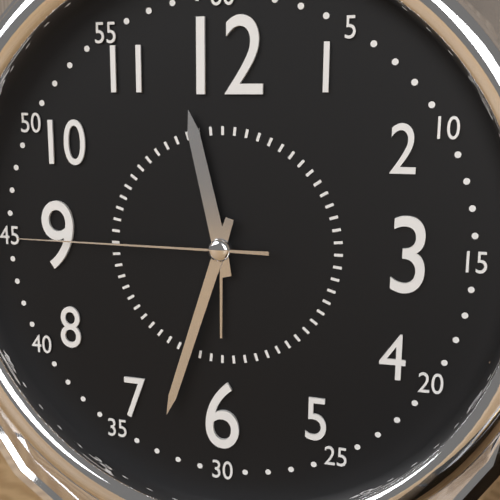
11.33.45
